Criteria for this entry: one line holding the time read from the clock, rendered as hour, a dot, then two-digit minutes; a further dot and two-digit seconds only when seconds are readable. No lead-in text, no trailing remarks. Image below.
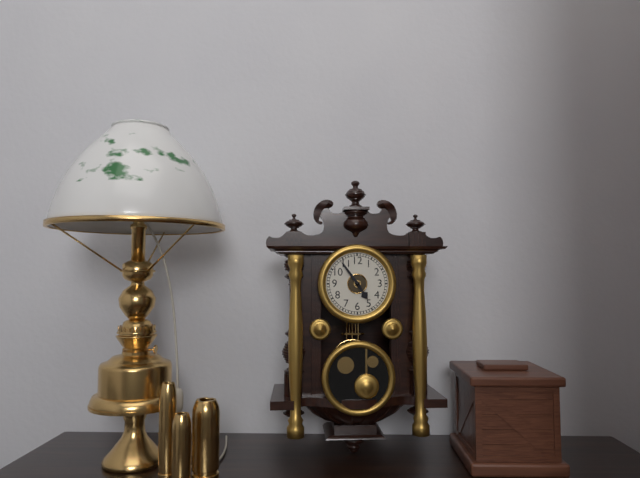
4.54
